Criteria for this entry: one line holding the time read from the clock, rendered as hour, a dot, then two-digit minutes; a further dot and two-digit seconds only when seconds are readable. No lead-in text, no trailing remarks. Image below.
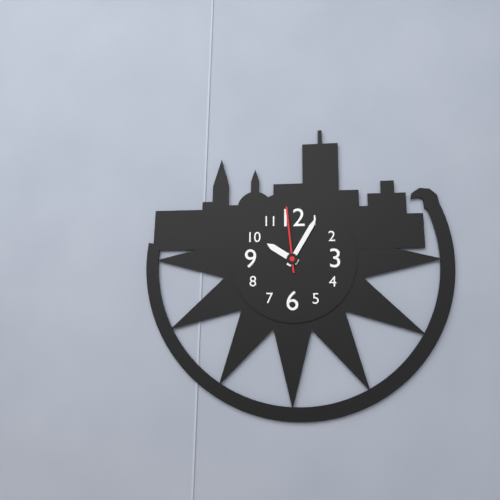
10.05.59
